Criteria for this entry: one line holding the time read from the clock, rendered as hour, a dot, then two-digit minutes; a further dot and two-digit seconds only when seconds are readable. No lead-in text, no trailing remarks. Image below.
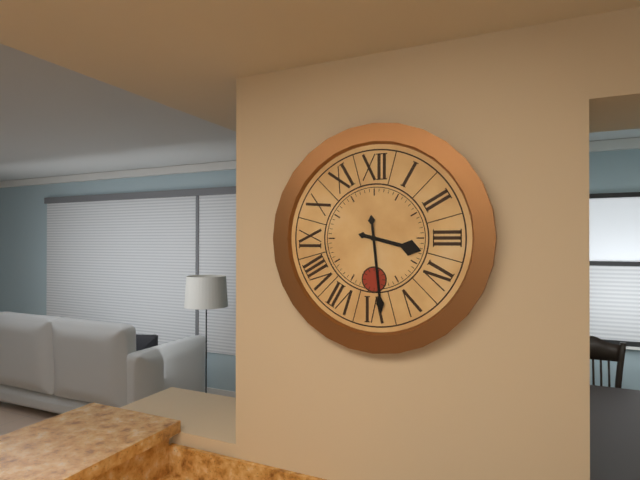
3.29
